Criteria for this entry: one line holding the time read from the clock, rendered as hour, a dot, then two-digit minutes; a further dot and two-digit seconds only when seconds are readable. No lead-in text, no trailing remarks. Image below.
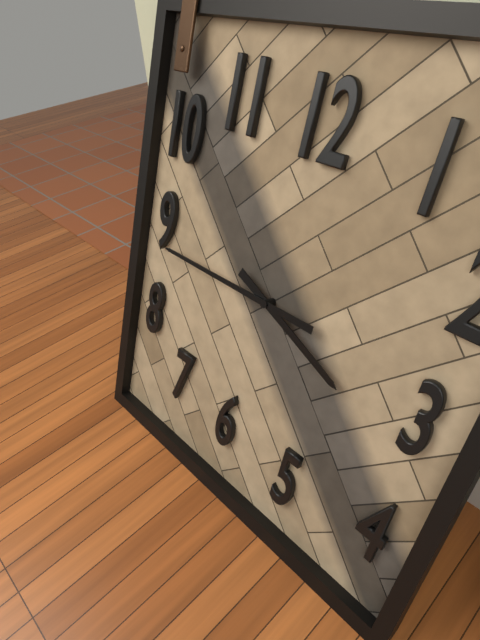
3.45
